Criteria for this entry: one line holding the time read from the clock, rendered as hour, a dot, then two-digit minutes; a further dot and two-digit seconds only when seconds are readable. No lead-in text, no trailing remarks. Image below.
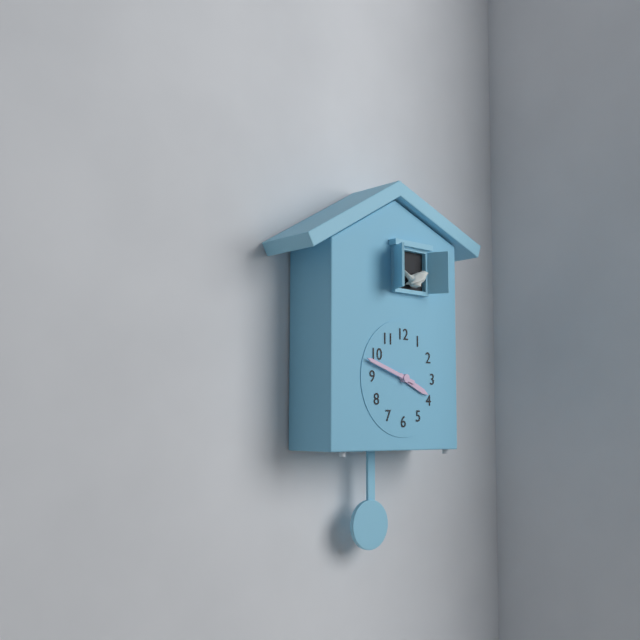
3.48
